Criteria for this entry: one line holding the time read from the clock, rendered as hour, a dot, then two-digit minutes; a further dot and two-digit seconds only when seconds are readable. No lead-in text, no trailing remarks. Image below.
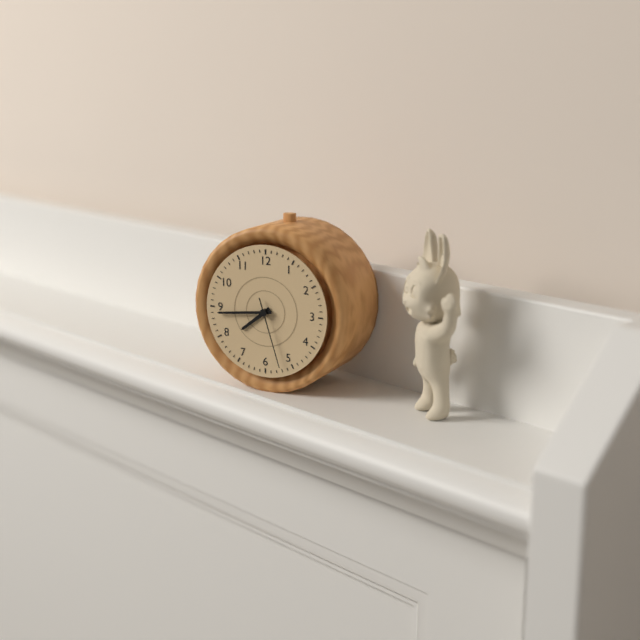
7.44.27
